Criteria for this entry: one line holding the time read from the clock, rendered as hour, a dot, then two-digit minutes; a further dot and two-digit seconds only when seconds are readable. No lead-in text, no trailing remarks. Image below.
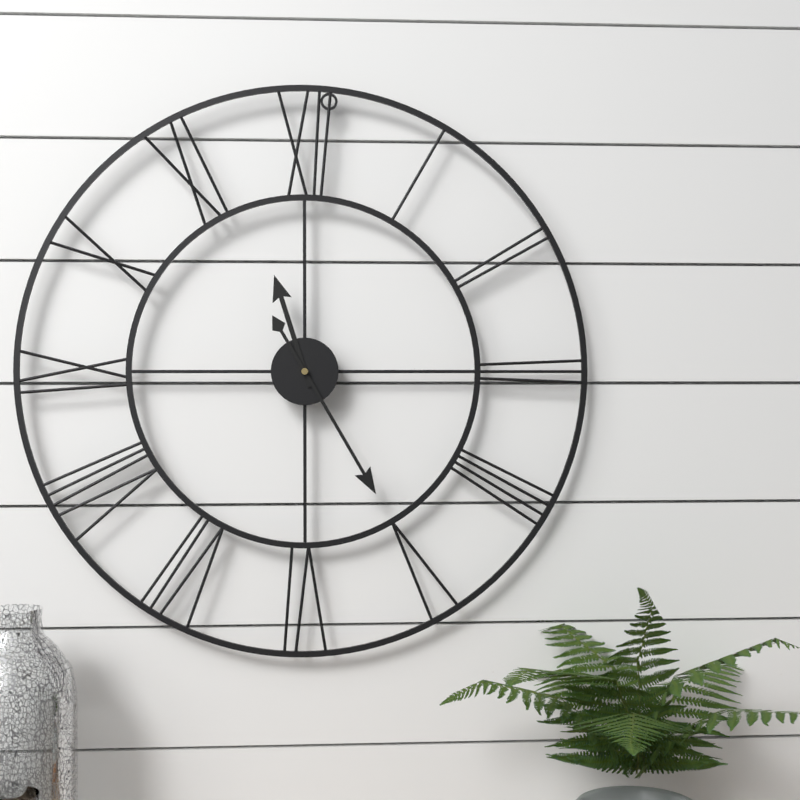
11.25
